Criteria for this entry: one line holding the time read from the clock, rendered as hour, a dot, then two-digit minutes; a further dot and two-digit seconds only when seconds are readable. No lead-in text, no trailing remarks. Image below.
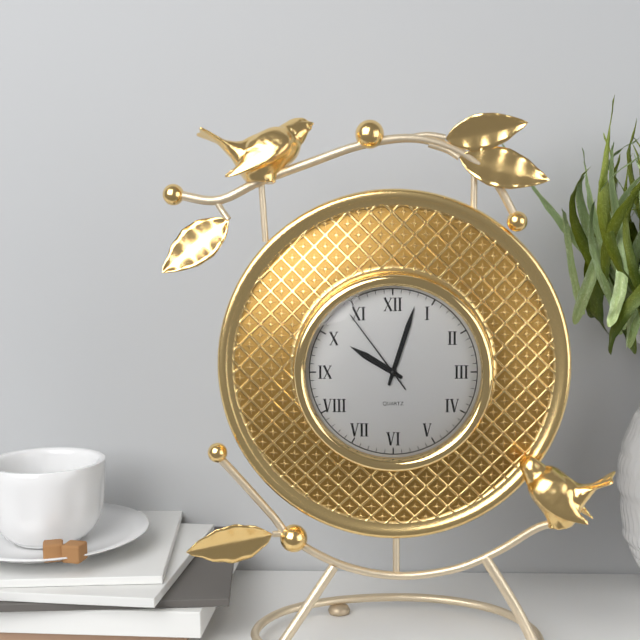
10.03.54
